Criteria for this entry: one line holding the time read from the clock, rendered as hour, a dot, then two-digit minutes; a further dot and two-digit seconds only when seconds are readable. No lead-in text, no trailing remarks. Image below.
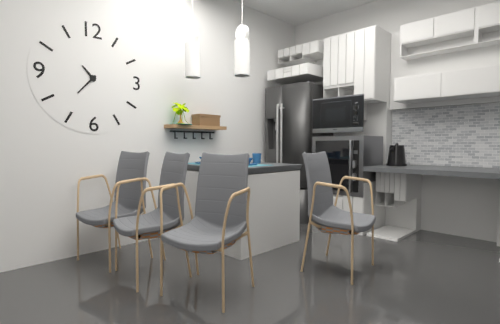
10.37
